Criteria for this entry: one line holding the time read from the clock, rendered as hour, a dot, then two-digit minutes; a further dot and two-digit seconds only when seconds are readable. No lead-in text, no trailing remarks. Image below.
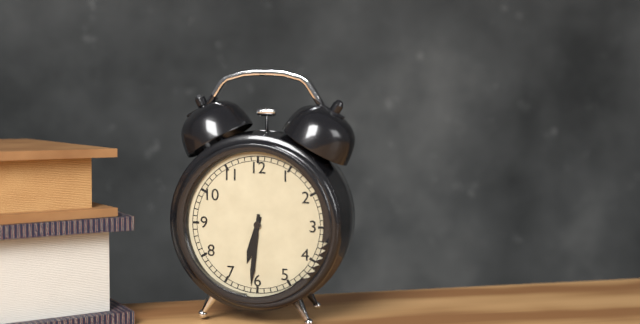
6.31
